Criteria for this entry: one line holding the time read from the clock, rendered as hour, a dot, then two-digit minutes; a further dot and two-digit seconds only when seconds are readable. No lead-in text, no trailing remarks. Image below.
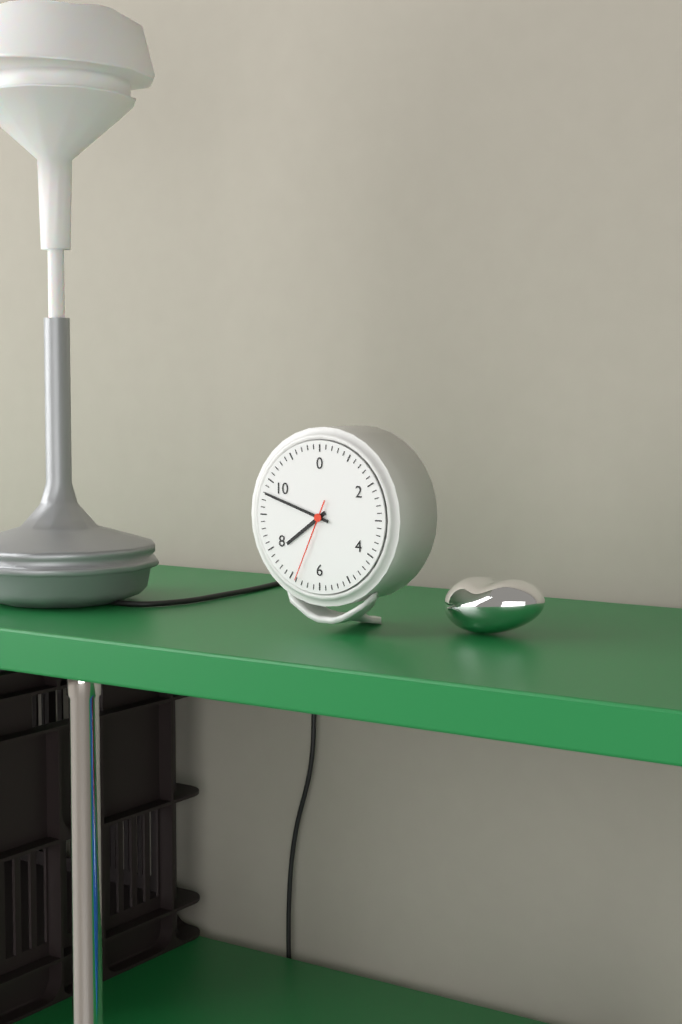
7.48.34
